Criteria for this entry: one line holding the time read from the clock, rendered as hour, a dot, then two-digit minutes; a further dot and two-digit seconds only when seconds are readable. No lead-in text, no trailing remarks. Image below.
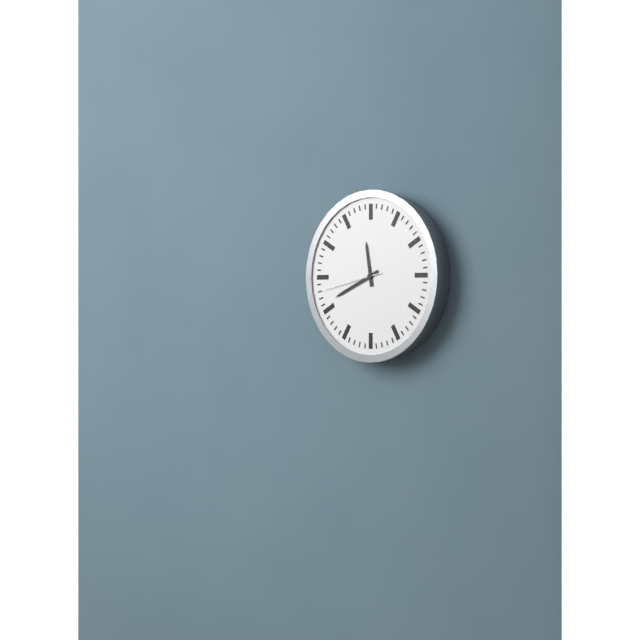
11.41.43
